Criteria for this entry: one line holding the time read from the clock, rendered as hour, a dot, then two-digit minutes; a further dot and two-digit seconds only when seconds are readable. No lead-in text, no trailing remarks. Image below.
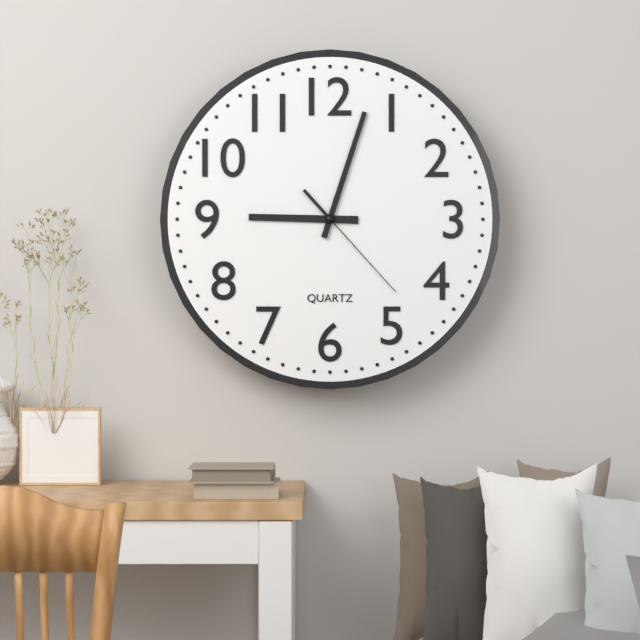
9.03.23
